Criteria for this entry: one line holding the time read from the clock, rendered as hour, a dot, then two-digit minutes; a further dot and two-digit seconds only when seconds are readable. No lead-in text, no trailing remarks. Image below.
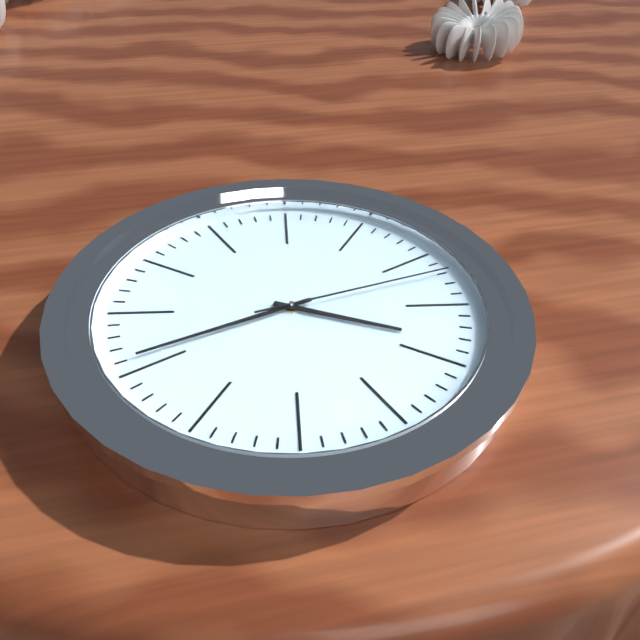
3.41.12
